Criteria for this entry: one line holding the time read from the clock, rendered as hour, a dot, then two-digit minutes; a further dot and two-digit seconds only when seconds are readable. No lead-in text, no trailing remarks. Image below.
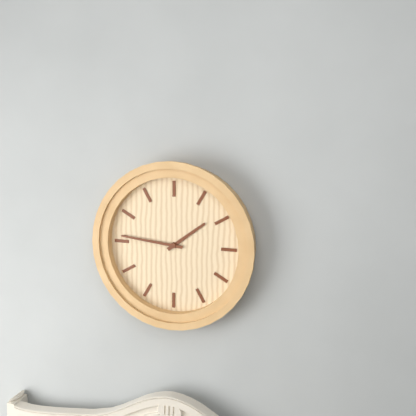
1.46
